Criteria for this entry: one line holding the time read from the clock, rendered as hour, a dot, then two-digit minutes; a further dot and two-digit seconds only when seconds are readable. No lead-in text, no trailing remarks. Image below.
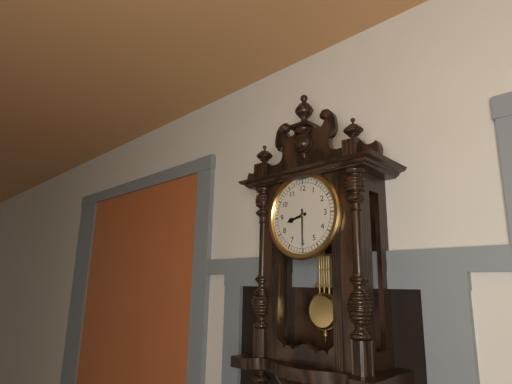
8.30
